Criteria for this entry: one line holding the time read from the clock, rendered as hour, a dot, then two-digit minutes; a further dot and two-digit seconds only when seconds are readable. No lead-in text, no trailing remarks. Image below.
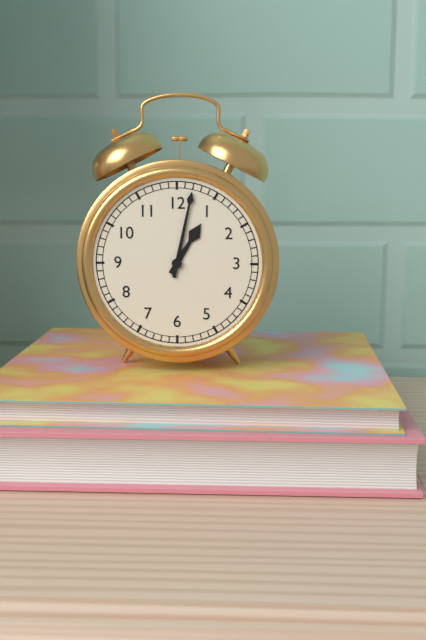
1.02
